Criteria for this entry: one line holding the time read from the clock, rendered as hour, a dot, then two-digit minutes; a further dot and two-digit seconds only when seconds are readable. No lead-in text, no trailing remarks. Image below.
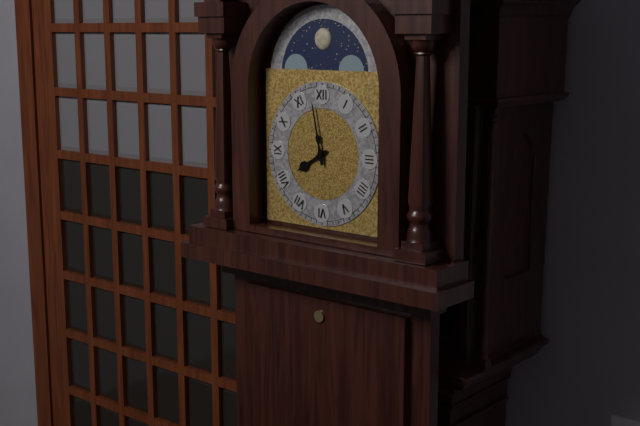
7.58
